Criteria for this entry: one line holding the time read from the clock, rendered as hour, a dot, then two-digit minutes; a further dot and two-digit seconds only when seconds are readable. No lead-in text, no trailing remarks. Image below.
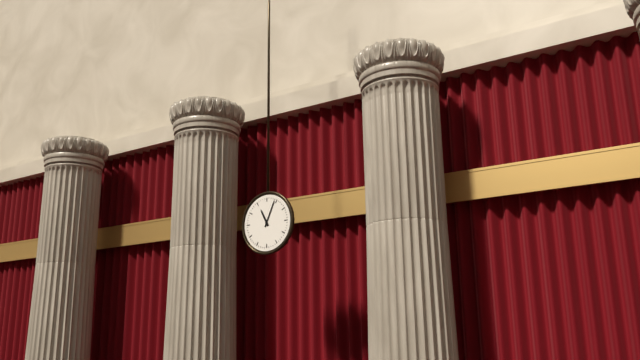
11.04
